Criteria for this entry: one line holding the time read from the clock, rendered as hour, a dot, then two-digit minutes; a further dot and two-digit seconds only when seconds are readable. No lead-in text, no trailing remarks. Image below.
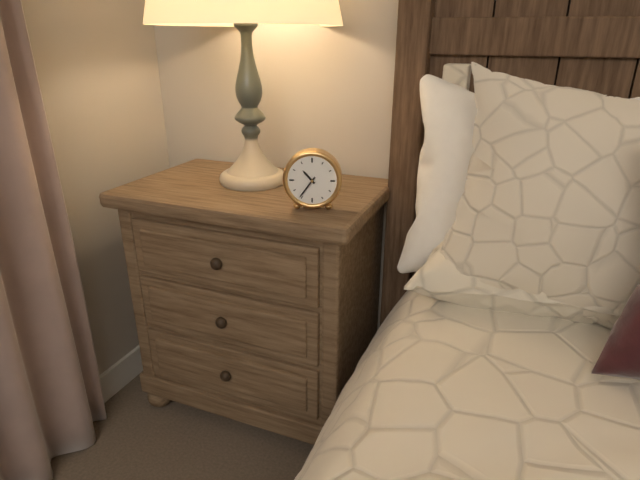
10.36
